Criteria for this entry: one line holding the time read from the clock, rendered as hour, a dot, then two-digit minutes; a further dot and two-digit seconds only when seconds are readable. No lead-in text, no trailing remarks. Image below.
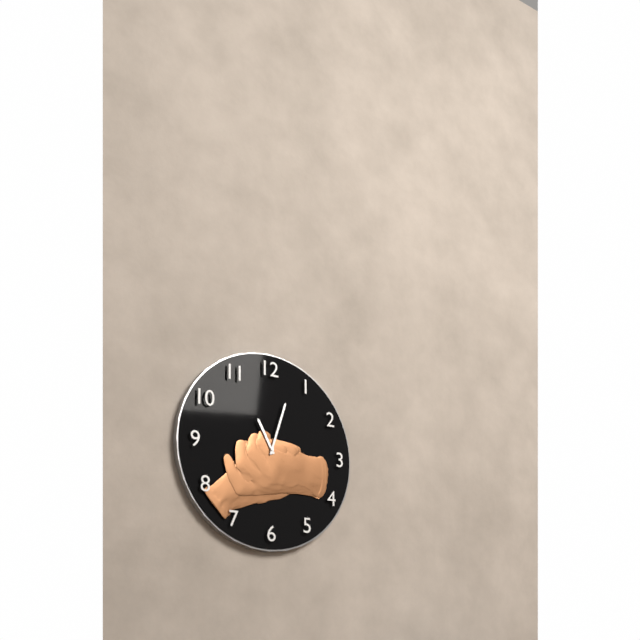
11.03
